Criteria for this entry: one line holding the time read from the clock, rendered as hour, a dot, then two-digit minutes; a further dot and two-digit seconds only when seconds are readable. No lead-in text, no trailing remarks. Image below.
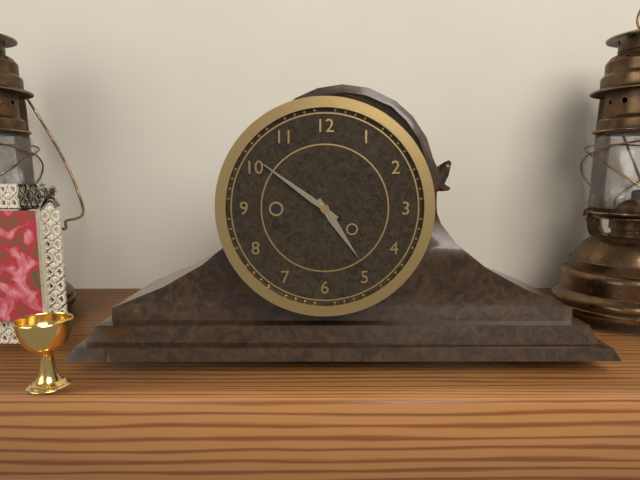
4.51
